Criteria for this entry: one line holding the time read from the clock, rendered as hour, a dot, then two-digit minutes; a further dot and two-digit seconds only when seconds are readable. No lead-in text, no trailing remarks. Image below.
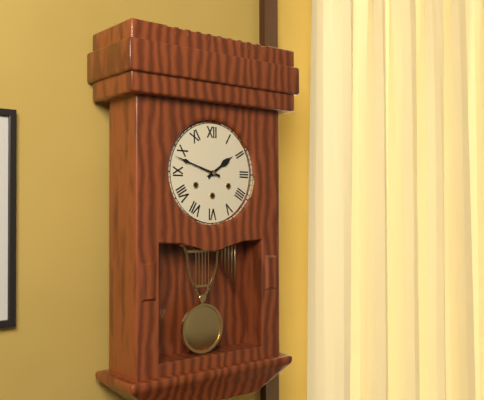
1.48
